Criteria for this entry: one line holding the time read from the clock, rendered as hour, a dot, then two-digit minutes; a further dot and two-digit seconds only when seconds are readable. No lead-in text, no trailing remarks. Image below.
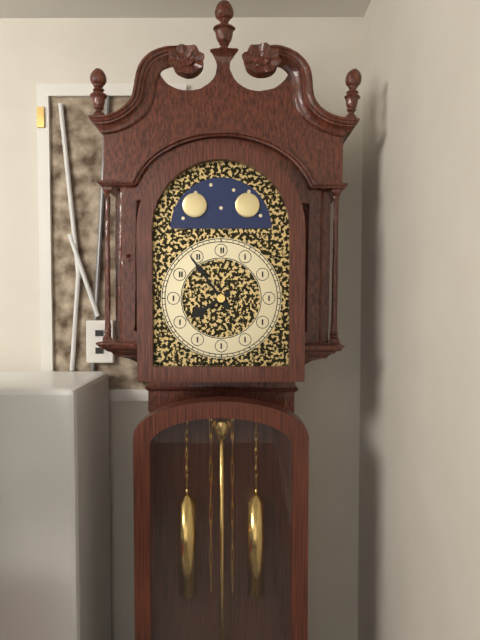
7.54
